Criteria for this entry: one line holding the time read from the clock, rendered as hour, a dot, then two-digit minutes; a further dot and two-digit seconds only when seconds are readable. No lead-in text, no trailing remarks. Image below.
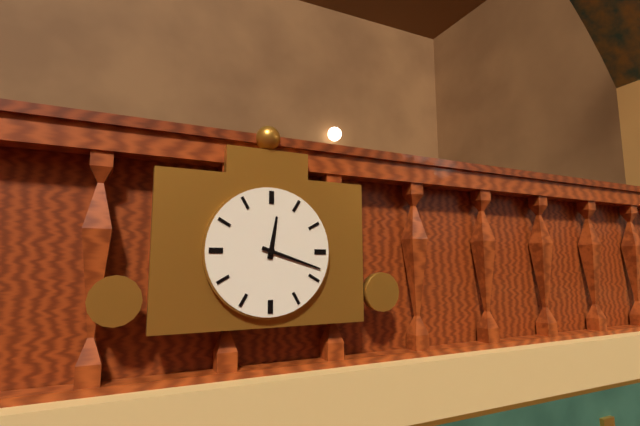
12.18
